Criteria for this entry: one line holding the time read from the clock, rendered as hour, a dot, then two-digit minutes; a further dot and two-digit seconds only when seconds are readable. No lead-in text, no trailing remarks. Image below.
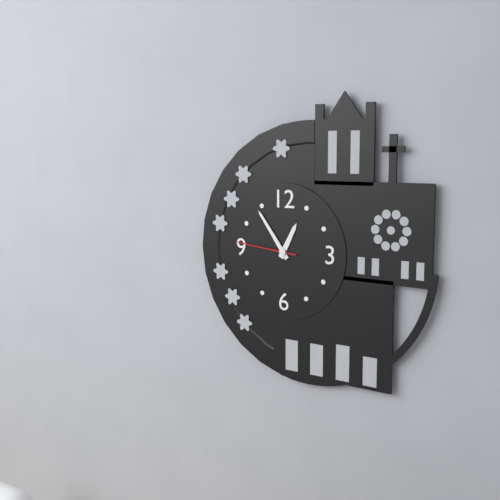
12.54.46
